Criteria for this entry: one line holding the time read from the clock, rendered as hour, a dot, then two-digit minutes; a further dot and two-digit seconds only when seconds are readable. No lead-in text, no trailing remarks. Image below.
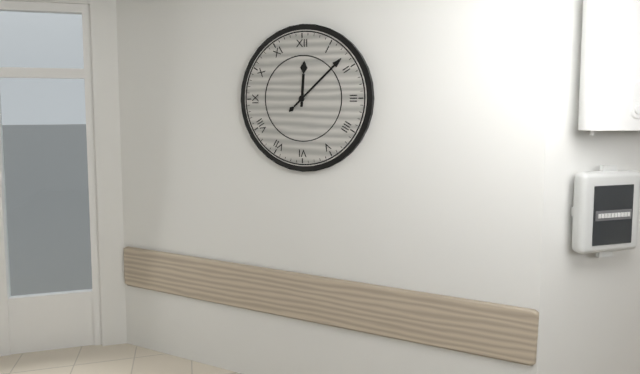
12.08
